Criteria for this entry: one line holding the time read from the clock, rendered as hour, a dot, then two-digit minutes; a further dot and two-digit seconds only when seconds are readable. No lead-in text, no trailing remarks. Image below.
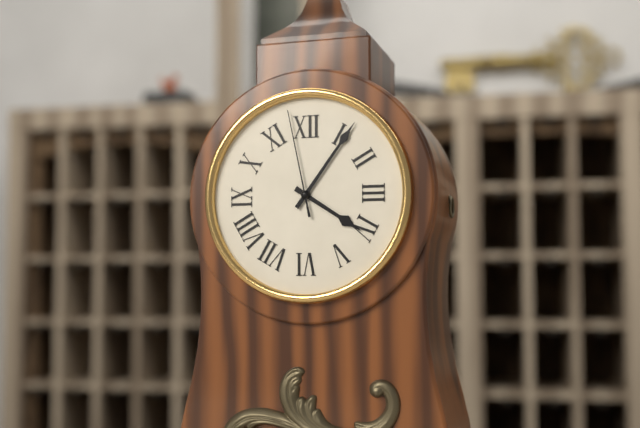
4.06.58
